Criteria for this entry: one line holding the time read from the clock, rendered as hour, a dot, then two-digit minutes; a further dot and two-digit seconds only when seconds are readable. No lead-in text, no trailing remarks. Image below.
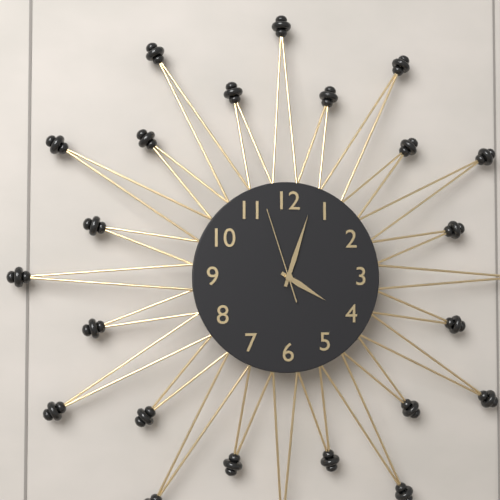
4.03.57
